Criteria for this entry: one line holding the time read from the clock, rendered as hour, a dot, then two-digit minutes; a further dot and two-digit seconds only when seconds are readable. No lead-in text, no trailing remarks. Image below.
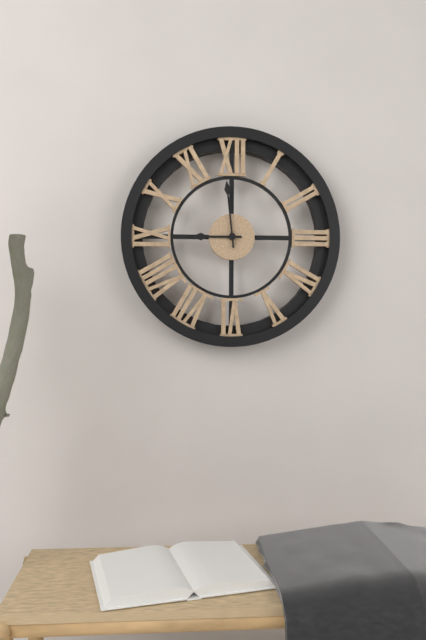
8.59
